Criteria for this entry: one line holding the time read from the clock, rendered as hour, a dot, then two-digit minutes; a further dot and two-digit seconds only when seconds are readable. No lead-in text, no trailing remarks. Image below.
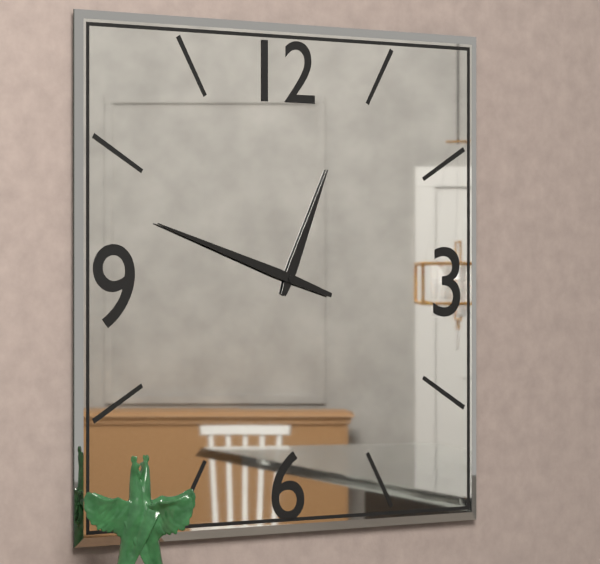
12.48
